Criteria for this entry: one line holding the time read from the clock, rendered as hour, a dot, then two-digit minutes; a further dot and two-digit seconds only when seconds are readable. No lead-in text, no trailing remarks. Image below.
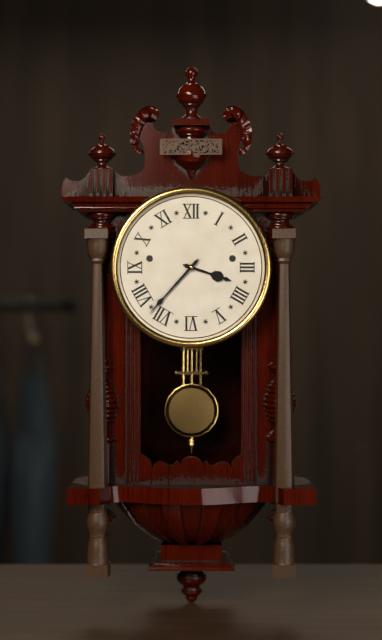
3.37
